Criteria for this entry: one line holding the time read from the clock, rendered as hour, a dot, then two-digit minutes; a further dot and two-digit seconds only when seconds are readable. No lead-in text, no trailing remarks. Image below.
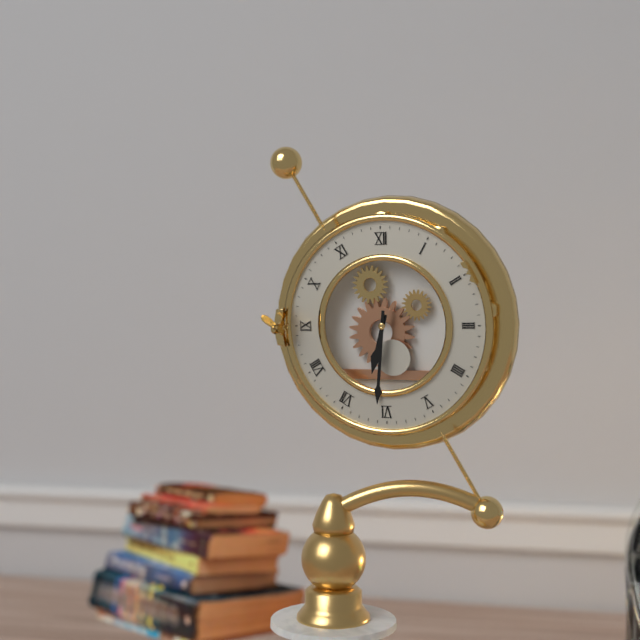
6.31
